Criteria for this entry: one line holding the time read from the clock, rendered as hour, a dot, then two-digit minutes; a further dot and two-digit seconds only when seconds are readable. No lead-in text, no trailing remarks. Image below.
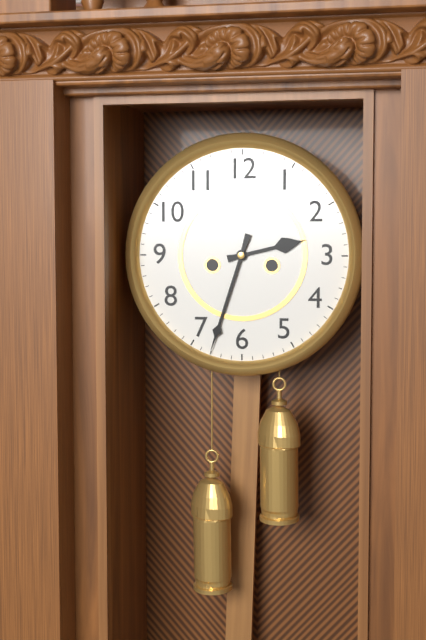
2.33
